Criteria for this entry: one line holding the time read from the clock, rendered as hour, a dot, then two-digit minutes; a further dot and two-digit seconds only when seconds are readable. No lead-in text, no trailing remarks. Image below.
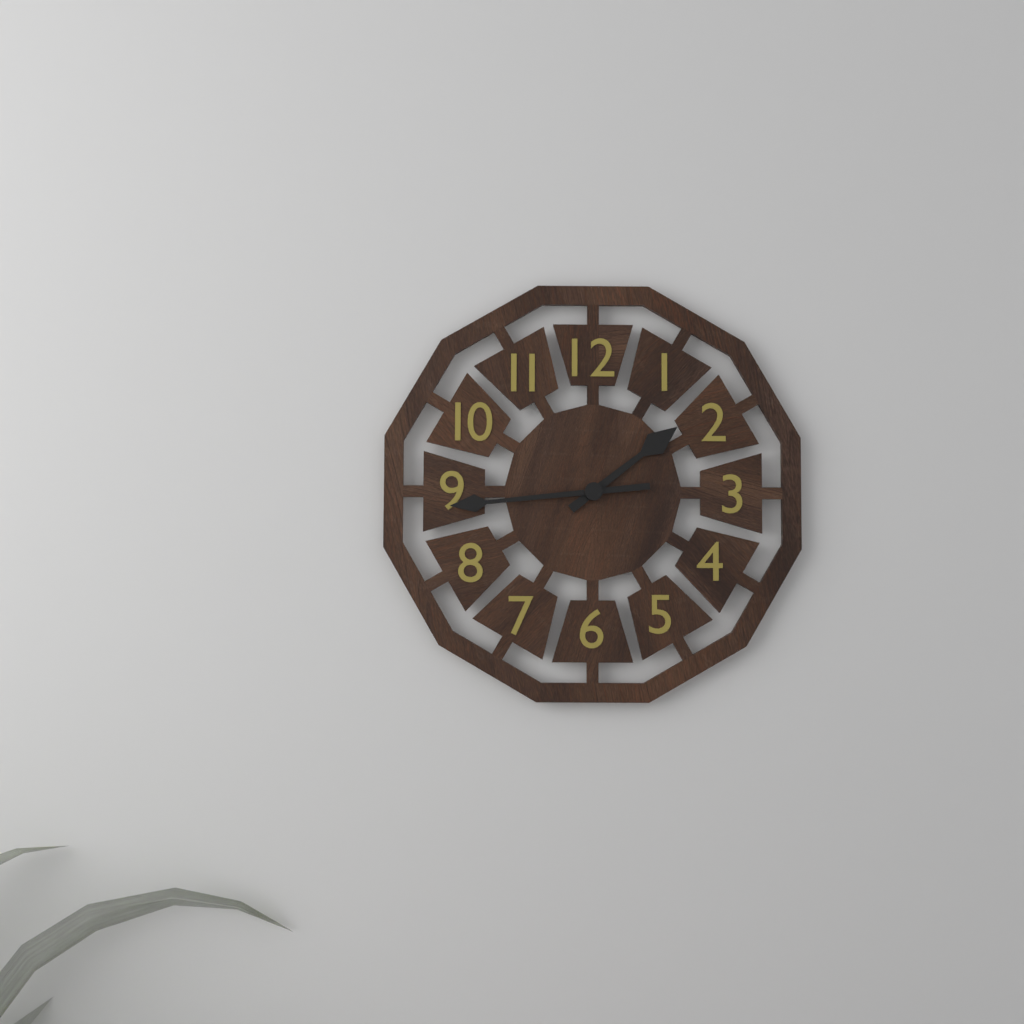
1.44
